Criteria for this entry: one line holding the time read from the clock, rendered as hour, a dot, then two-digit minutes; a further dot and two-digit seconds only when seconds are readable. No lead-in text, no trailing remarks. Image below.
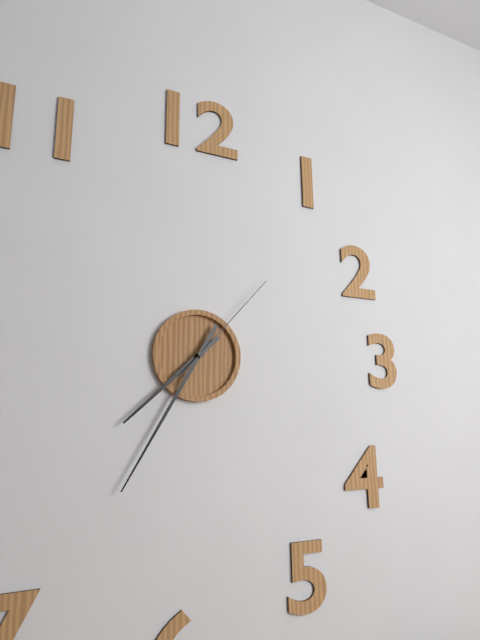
7.35.07
